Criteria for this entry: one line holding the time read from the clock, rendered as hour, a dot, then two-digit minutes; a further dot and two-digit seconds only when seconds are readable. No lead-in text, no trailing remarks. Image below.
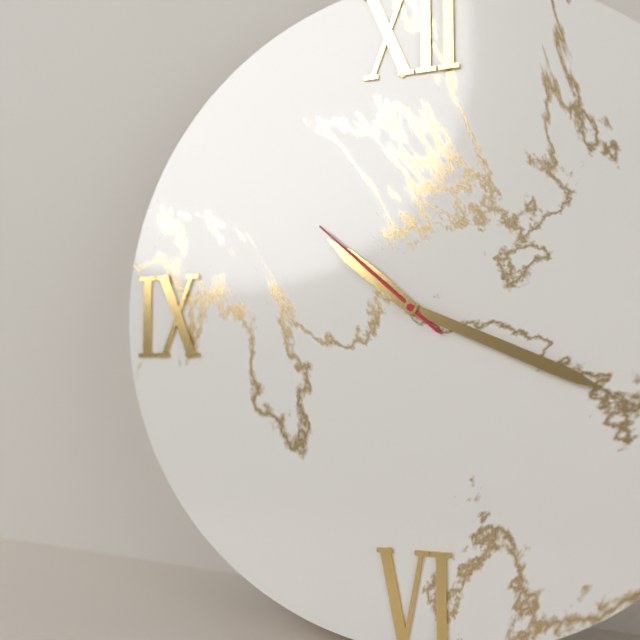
10.19.52
